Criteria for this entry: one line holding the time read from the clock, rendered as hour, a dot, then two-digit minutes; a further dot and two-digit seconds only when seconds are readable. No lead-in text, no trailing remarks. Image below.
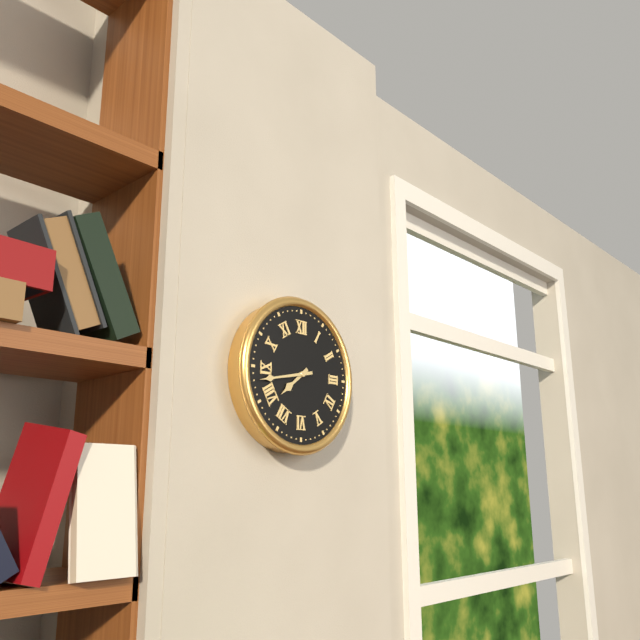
7.43
